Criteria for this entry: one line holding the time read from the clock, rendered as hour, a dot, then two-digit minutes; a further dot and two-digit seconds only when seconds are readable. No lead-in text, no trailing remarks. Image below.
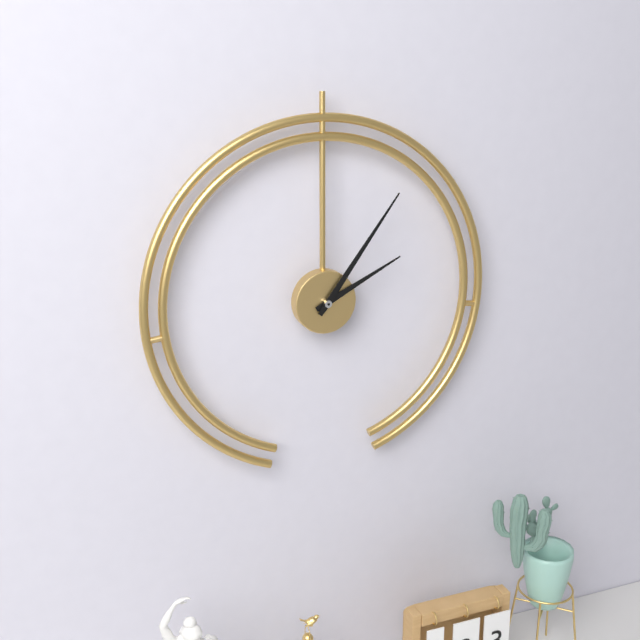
2.06
